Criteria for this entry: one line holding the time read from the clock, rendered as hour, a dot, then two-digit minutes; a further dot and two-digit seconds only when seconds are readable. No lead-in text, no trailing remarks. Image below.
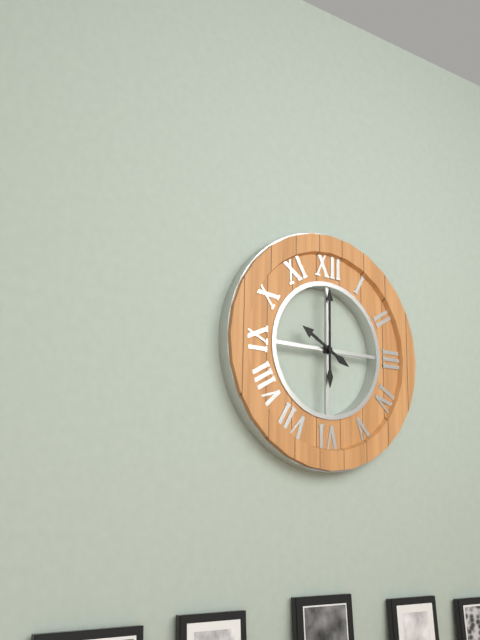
10.00
